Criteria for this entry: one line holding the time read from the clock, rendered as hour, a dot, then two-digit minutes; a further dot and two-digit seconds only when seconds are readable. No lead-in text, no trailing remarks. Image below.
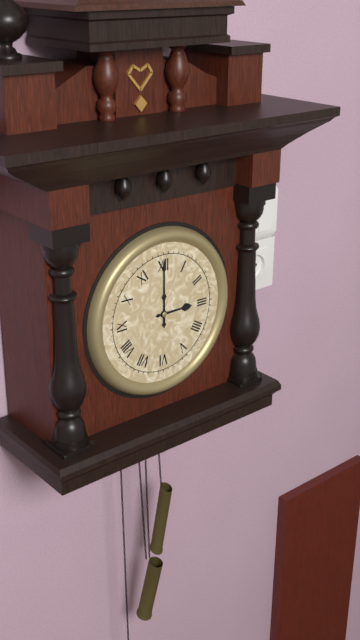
3.00
